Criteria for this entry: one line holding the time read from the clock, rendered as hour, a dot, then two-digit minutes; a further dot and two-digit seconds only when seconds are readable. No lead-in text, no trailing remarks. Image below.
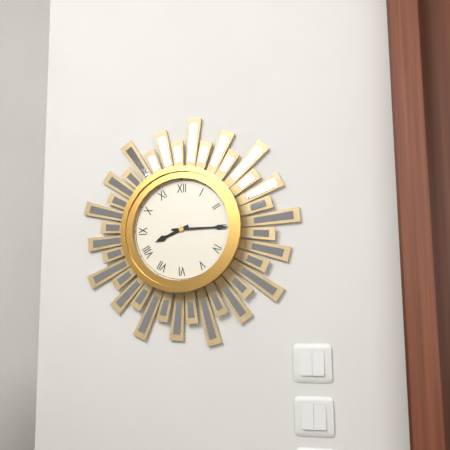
8.15
